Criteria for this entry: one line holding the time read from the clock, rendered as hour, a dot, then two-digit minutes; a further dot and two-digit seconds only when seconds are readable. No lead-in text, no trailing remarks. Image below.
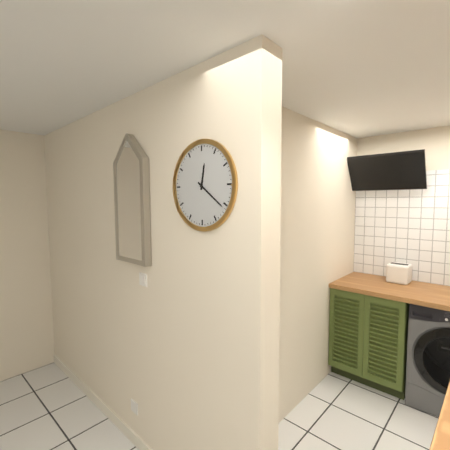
12.21
